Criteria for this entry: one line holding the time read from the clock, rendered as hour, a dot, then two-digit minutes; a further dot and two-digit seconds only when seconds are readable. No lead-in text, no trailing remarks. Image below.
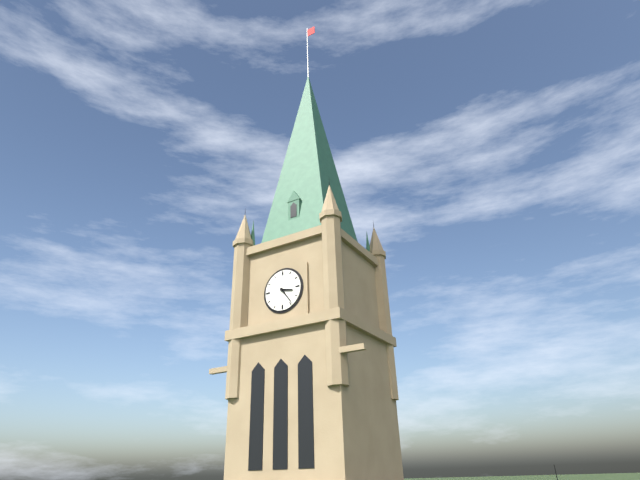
3.24
